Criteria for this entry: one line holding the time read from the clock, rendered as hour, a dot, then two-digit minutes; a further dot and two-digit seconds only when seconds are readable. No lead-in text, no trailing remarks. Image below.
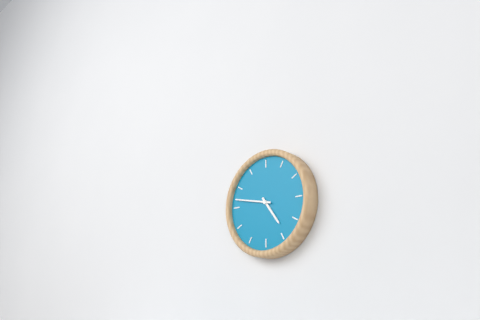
4.47
